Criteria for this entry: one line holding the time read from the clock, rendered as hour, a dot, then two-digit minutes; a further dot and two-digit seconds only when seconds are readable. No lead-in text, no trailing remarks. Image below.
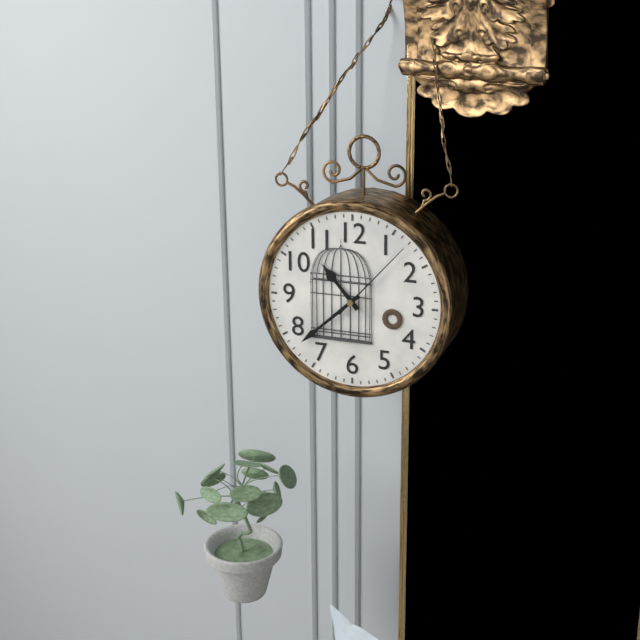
10.38.07
